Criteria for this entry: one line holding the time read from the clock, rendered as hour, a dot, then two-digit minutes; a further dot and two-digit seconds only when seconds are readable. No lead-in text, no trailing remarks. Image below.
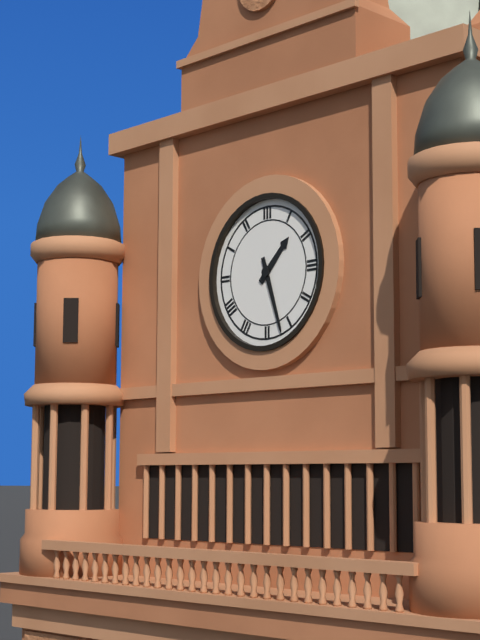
1.27
